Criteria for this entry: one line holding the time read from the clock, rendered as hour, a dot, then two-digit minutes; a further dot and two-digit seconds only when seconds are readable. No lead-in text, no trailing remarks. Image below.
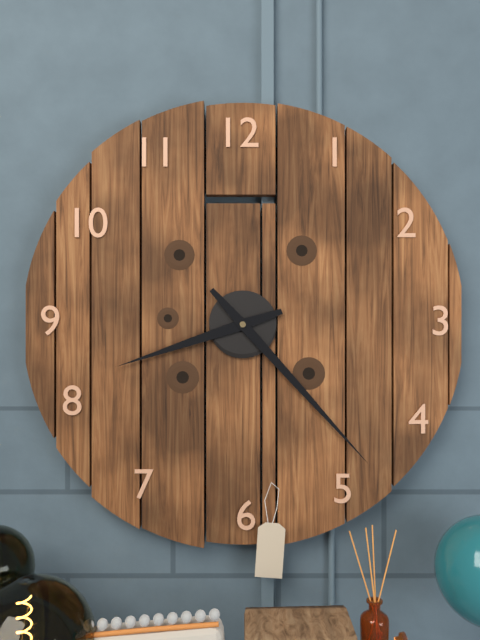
8.23
